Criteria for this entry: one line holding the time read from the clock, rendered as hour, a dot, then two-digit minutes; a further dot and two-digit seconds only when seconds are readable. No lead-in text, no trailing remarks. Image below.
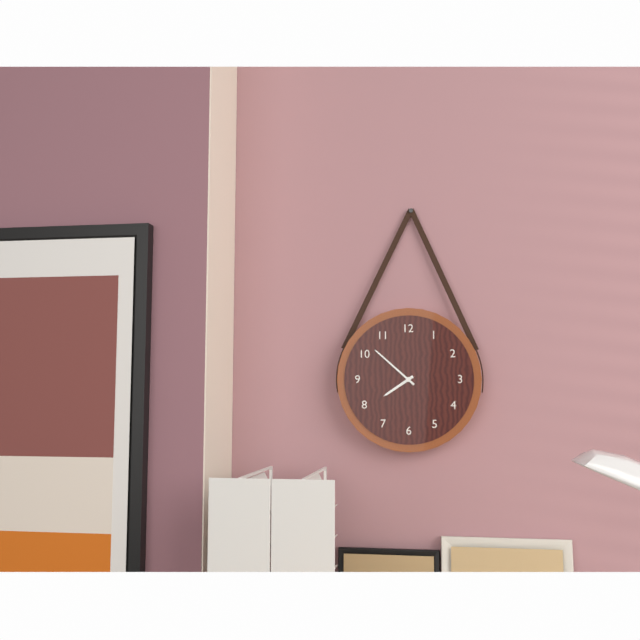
7.52
